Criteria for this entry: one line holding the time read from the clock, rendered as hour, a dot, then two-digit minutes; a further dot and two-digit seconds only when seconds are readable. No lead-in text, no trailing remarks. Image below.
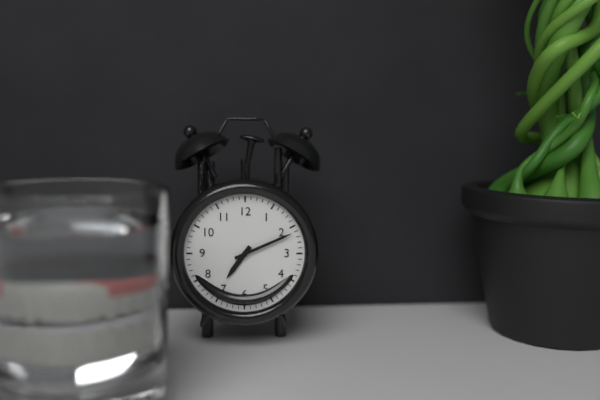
7.11
